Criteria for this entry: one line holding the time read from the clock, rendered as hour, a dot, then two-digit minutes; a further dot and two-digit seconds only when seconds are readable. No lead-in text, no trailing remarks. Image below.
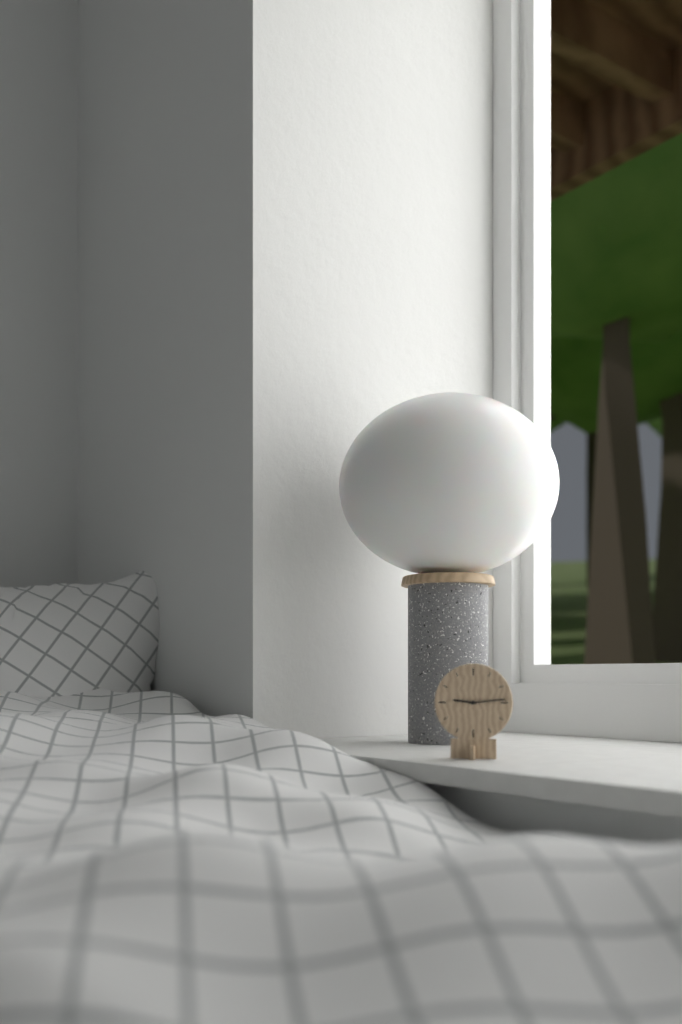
9.14
